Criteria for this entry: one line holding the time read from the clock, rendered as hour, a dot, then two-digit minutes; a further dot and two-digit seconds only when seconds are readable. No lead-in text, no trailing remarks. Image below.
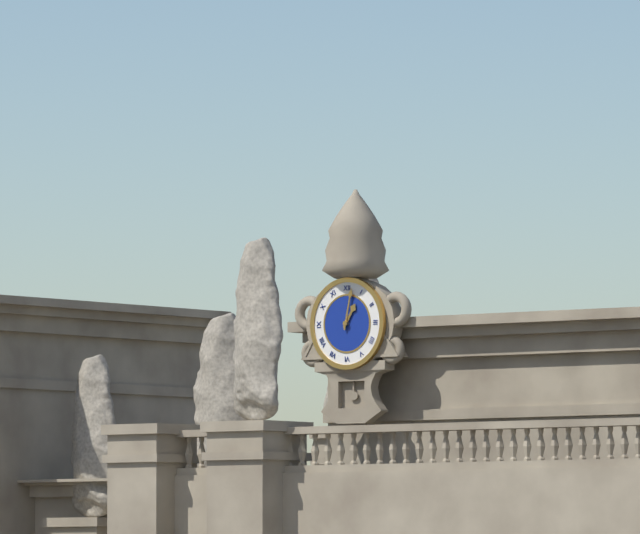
1.02
